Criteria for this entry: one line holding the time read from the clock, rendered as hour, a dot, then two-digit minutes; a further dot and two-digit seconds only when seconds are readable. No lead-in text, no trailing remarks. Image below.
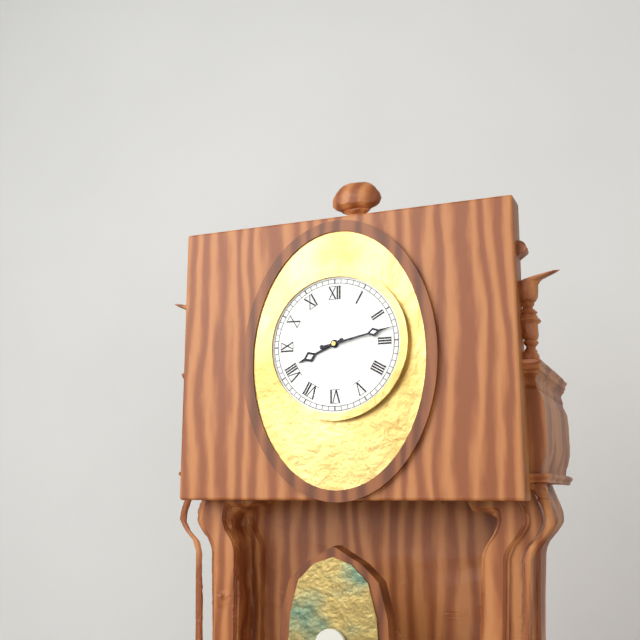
8.13
